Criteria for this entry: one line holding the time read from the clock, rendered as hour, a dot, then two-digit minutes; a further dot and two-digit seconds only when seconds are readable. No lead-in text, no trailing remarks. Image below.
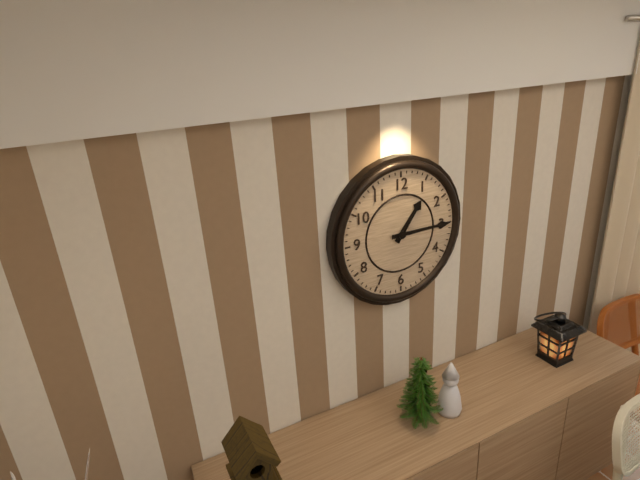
1.15
